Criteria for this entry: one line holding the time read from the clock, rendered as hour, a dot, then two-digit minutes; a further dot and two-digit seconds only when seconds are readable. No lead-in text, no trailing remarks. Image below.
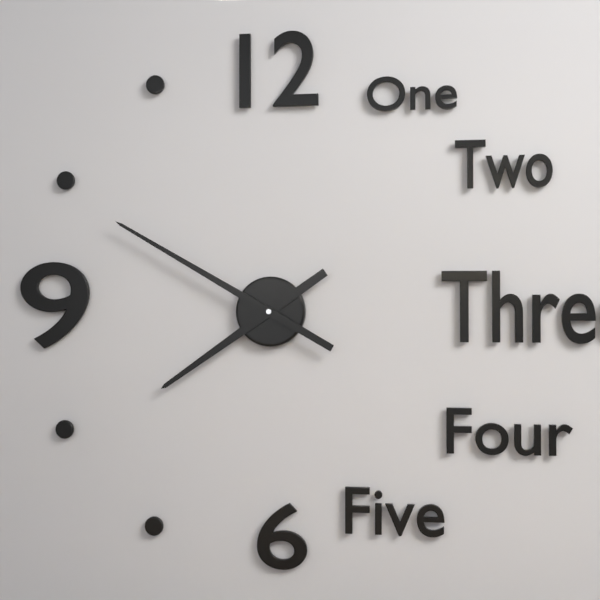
7.50
